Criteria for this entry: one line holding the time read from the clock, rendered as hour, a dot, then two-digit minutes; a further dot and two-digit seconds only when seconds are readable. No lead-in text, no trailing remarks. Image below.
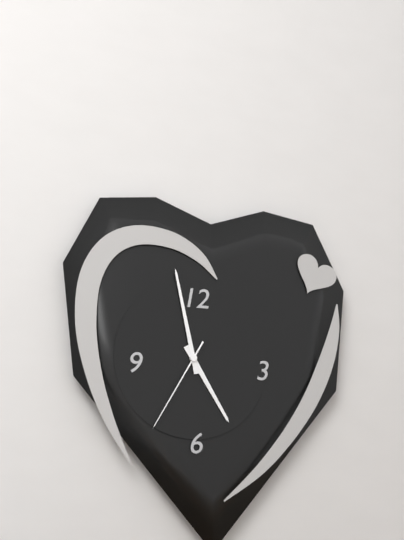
4.58.35
